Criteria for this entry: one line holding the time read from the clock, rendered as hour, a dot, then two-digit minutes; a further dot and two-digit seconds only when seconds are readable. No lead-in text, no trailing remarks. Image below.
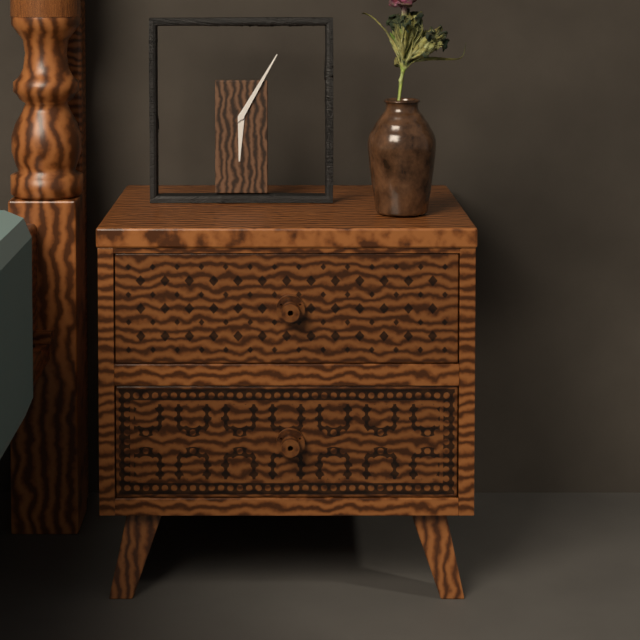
6.05
